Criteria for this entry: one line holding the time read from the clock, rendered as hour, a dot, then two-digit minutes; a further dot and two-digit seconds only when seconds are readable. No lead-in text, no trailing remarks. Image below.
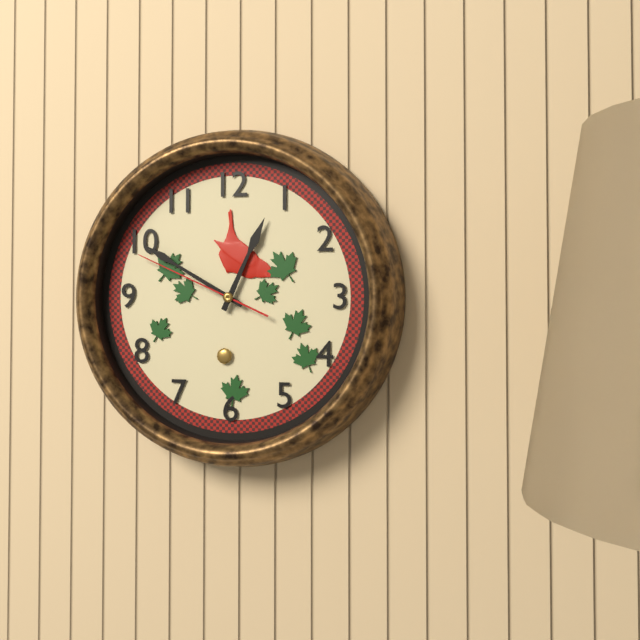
12.50.49
